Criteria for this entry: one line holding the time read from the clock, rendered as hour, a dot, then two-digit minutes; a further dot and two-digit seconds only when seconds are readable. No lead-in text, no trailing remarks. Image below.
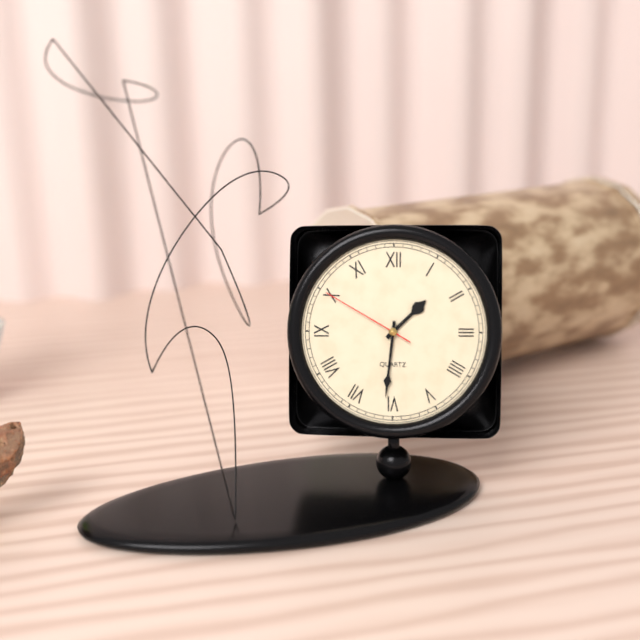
1.31.50
